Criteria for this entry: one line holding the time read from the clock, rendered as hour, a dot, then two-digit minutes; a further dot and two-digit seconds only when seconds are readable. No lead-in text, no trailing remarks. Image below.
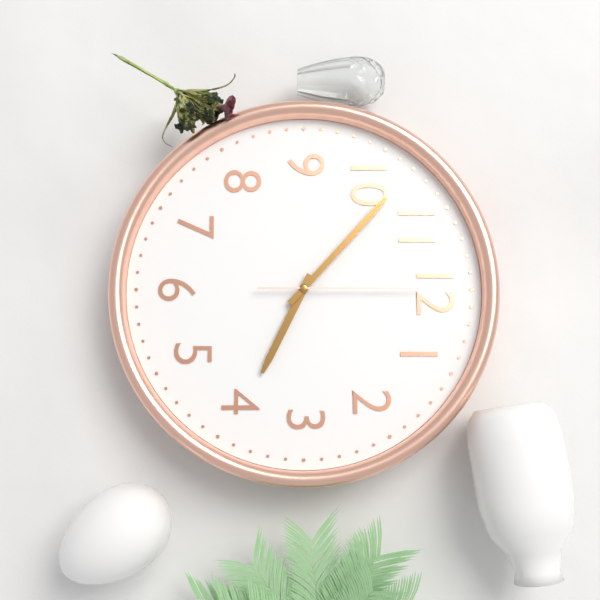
3.52.00
